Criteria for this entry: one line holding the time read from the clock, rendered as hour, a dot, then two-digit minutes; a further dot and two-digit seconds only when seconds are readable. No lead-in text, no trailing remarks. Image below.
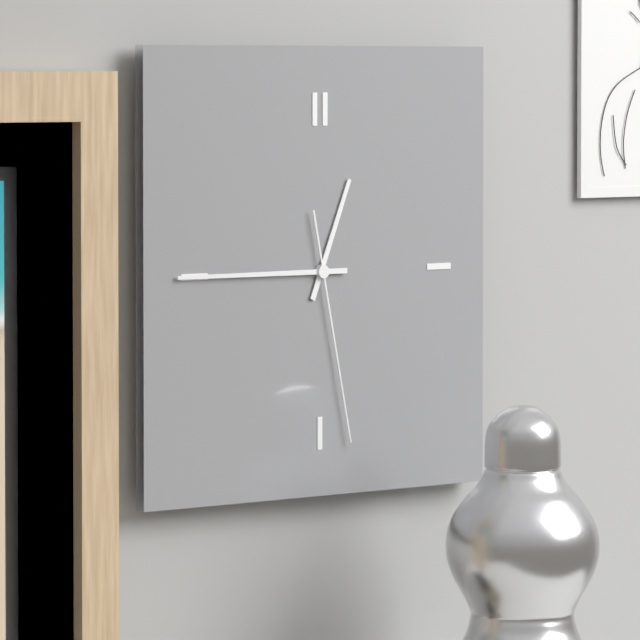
12.45.28
